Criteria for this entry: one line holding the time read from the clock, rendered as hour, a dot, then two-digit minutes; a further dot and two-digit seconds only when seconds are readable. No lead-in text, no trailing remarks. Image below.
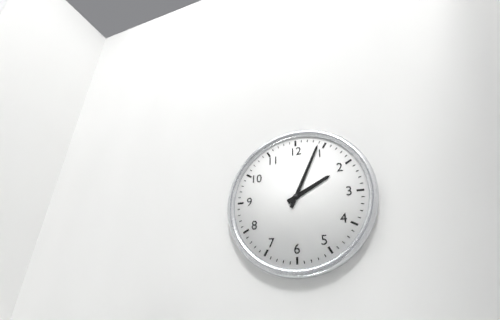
2.04
